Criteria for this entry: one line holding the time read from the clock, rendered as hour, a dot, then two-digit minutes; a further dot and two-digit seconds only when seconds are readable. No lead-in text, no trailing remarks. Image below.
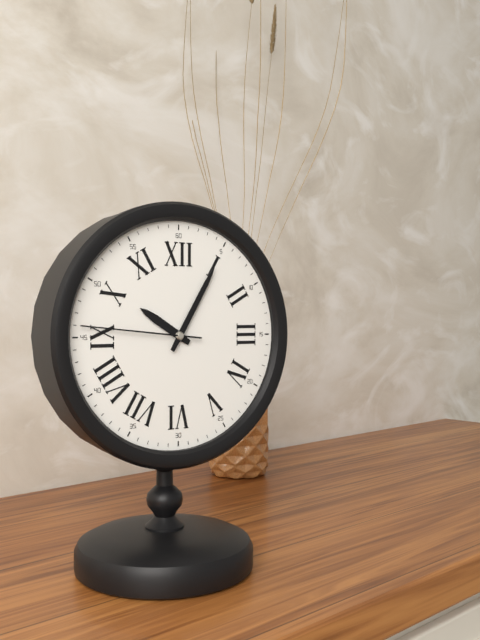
10.05.46
